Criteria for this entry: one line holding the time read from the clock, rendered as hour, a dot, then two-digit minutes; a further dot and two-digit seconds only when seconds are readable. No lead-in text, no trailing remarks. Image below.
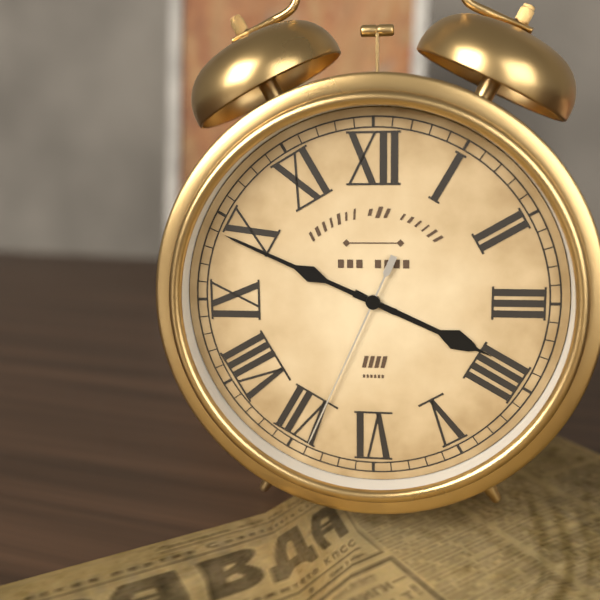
3.49.34
